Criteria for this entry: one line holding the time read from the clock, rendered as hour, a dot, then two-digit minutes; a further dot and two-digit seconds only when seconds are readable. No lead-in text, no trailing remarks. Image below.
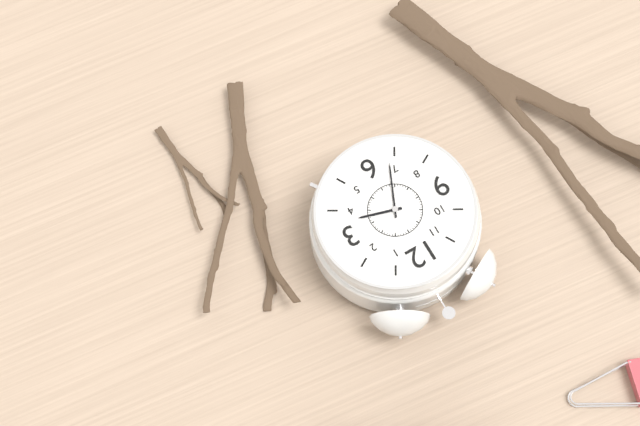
3.34
